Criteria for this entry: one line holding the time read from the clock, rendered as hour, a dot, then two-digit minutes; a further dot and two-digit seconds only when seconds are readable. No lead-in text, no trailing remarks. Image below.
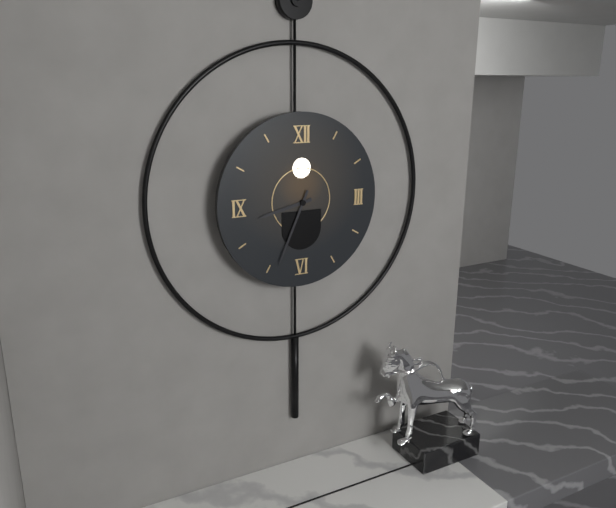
8.34
